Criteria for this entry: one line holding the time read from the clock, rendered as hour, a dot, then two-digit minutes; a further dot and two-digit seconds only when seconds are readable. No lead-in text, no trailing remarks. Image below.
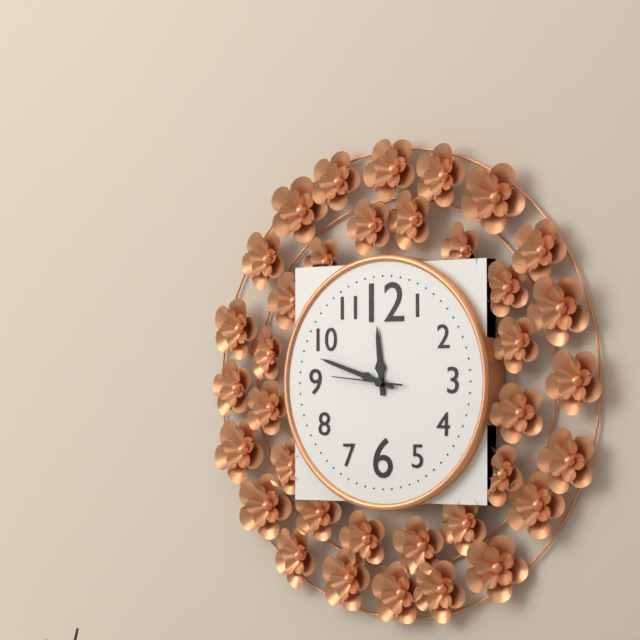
11.48.46
